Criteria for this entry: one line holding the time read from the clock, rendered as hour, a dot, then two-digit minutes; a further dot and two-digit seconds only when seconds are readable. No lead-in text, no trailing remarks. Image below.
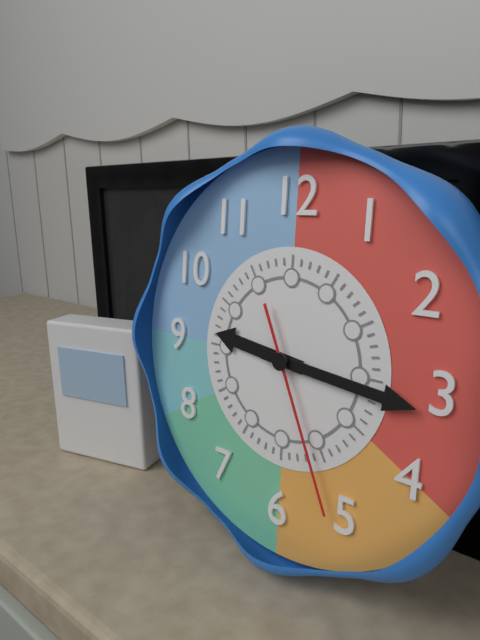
9.16.26
